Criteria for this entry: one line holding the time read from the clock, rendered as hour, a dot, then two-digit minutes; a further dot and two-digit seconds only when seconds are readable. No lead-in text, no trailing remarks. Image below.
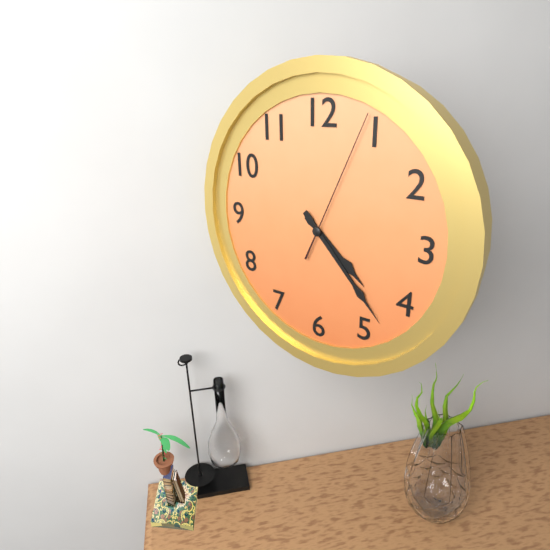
4.23.04
